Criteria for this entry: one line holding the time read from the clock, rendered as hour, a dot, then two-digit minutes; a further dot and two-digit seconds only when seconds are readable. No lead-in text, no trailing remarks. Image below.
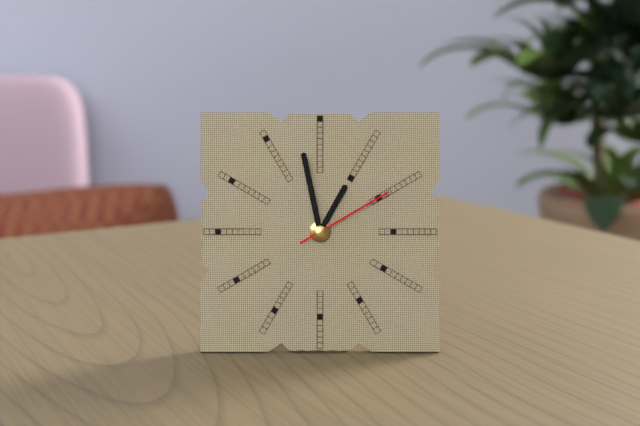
12.58.10
